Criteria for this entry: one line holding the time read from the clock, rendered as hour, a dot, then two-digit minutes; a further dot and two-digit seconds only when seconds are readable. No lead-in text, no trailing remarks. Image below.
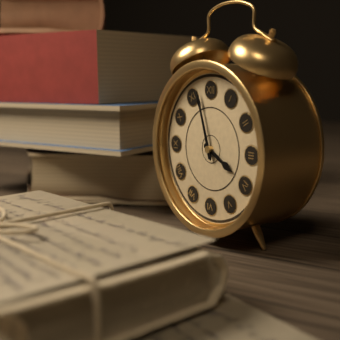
3.57
